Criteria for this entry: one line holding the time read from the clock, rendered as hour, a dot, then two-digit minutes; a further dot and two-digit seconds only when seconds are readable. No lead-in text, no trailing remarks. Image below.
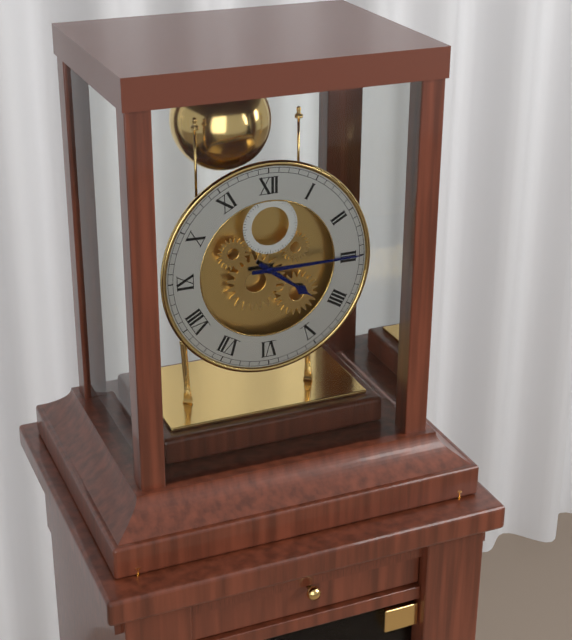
4.15
